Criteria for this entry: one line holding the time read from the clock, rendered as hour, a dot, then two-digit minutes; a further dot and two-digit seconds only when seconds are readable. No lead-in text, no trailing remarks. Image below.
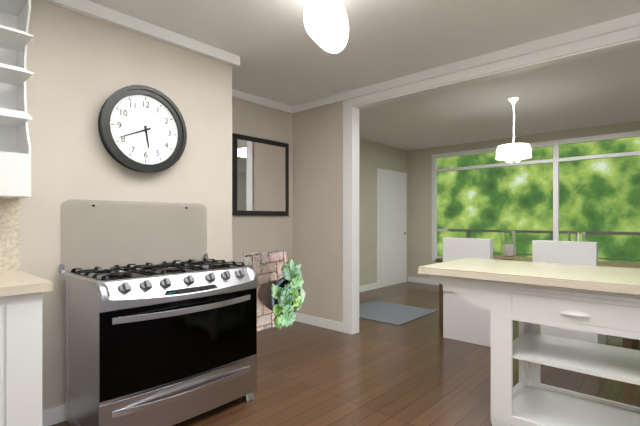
5.41
